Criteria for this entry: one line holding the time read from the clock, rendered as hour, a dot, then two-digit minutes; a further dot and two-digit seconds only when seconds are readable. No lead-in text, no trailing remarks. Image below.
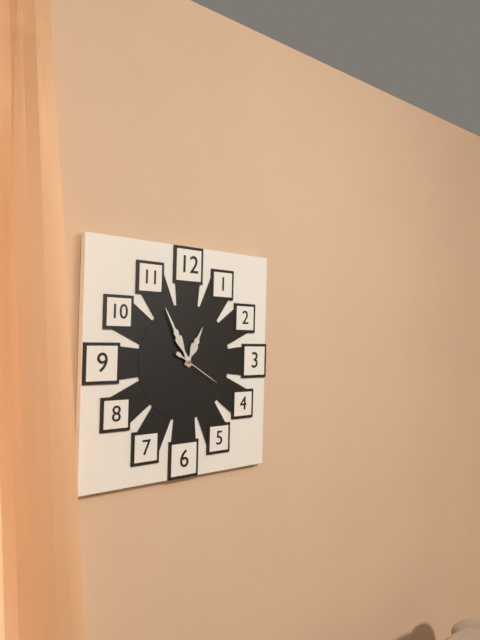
12.55
